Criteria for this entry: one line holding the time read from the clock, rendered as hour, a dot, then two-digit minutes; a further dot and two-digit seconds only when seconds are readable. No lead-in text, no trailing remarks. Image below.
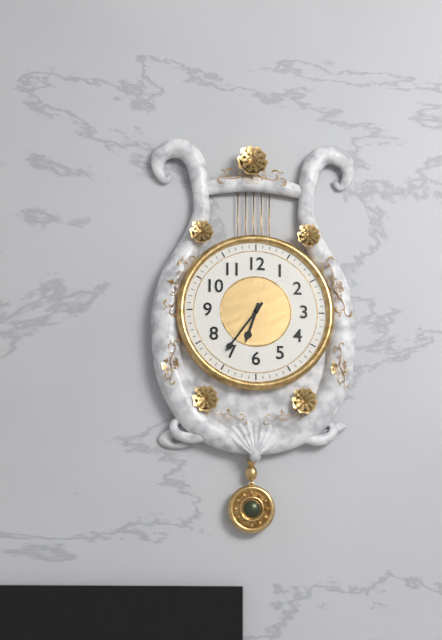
6.36
